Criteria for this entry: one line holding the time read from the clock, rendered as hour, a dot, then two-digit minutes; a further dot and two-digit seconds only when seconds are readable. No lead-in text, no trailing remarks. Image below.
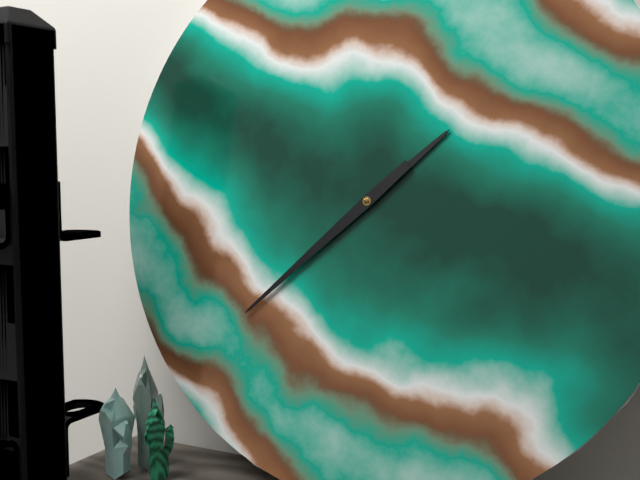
1.38
